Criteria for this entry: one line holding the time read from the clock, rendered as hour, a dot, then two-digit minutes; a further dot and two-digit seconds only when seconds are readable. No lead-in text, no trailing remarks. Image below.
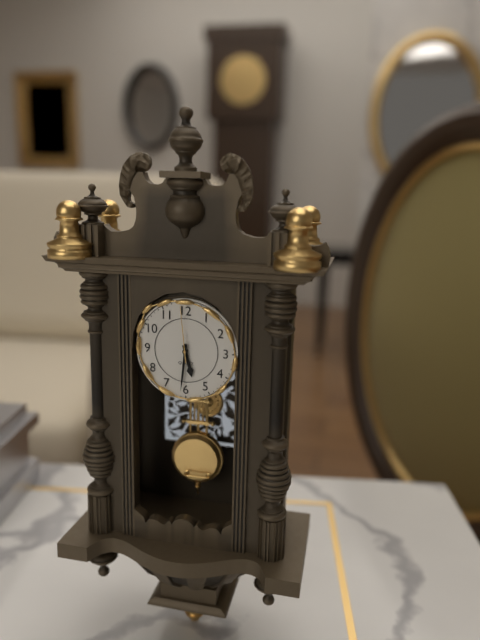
5.31.59
